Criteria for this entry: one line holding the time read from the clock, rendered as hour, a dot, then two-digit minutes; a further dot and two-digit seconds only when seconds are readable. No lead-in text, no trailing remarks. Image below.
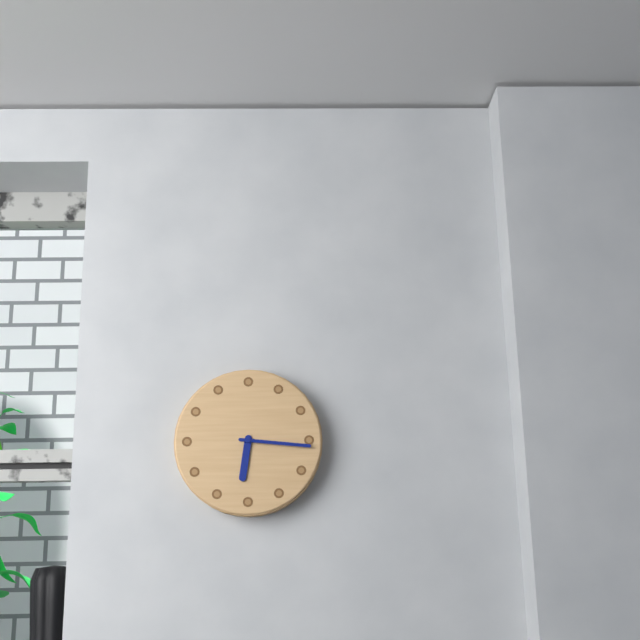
6.16
